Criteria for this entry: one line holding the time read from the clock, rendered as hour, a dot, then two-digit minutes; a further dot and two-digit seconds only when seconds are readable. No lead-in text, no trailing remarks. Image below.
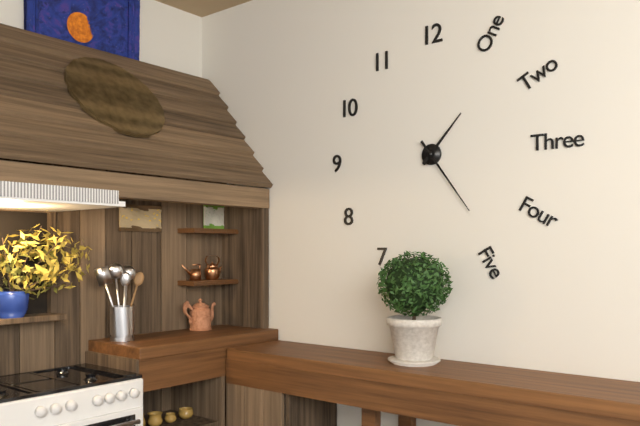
1.24
